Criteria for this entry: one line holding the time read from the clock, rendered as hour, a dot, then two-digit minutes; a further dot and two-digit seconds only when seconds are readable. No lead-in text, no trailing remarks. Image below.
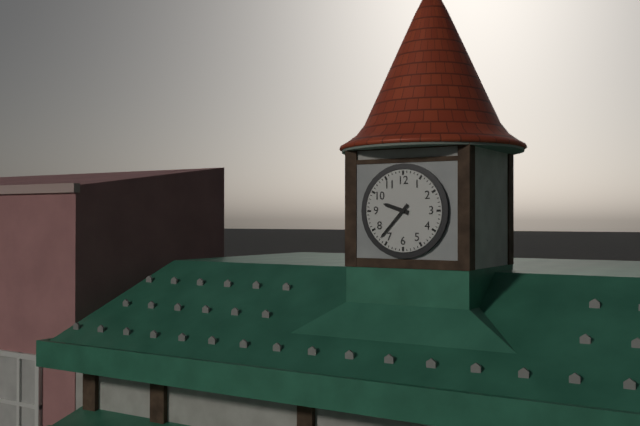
9.37
